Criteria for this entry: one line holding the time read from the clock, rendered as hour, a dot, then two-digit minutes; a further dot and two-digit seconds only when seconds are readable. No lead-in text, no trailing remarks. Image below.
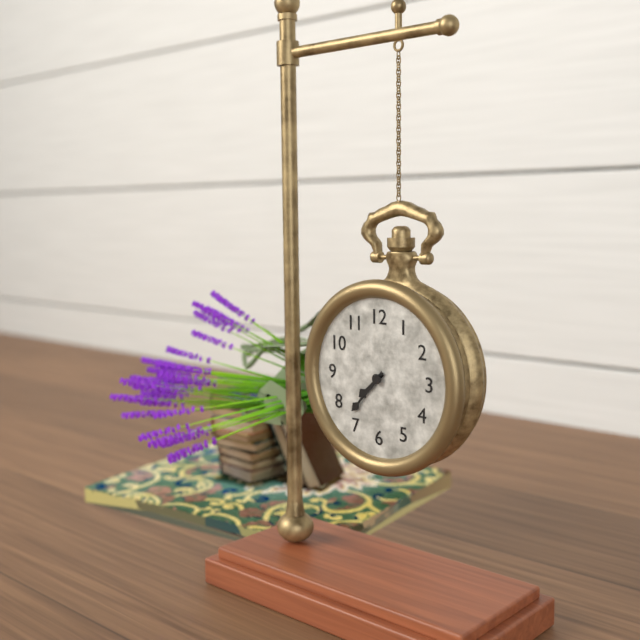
7.37
